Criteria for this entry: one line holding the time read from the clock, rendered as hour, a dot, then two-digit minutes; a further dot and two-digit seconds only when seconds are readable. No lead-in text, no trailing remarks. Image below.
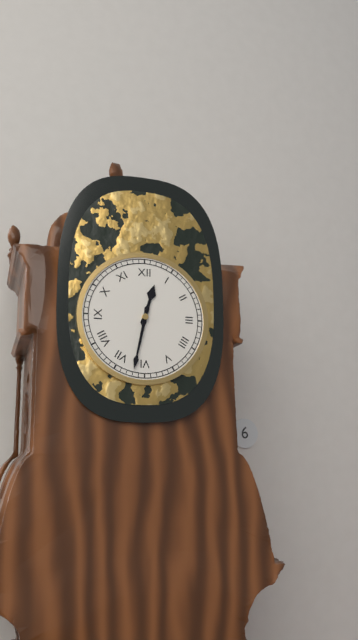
12.32
